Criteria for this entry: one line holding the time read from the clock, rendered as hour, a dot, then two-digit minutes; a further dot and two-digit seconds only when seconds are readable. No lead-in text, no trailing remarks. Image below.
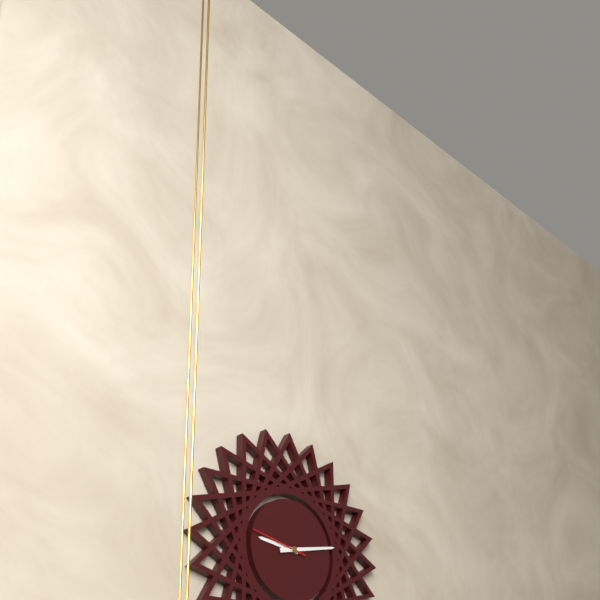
9.13.47
